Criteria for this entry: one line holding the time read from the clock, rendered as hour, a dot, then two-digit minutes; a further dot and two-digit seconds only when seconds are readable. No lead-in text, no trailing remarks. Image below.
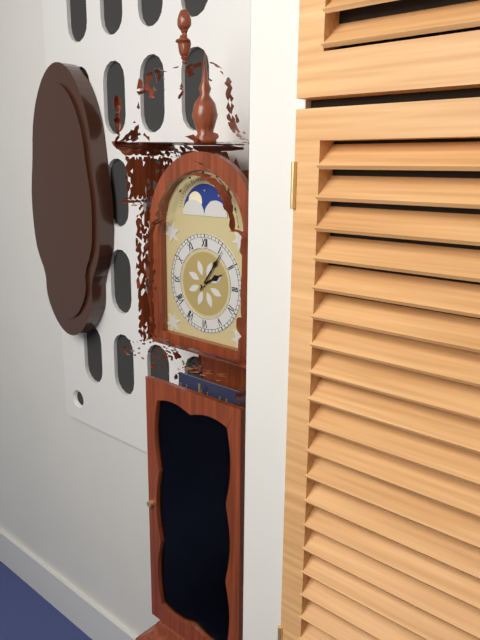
2.06
